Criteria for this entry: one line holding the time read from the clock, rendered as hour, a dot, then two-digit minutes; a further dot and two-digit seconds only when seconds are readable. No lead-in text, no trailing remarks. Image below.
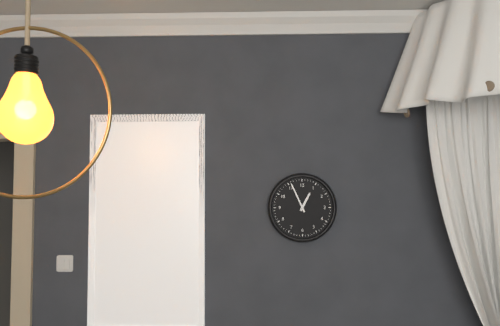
12.56
